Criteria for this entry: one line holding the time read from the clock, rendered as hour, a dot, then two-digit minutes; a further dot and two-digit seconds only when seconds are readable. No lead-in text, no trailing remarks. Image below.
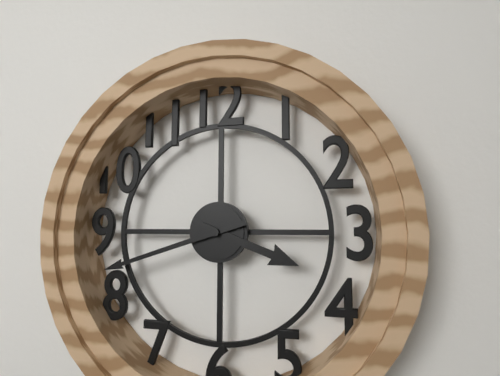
3.42
